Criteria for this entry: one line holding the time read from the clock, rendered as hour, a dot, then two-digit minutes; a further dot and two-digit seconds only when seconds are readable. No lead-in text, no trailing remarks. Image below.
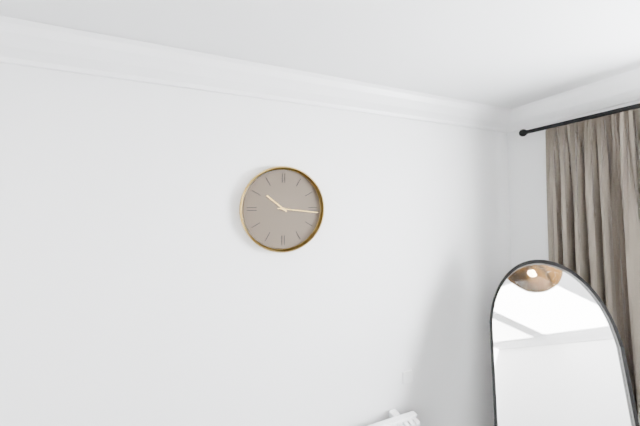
10.16
